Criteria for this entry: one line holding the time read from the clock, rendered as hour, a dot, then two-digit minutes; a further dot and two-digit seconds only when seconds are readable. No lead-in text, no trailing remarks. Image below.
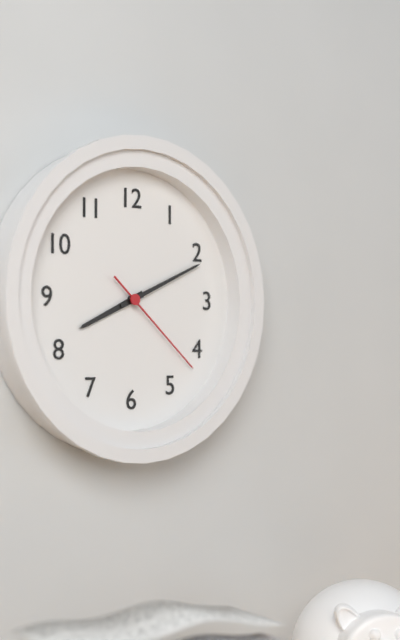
8.11.22
